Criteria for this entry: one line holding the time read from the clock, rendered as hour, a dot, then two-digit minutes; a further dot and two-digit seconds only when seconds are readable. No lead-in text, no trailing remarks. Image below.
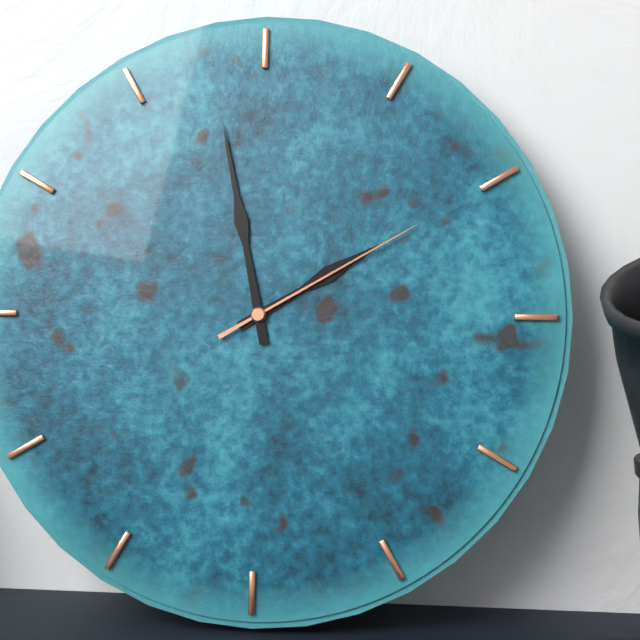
1.58.10
